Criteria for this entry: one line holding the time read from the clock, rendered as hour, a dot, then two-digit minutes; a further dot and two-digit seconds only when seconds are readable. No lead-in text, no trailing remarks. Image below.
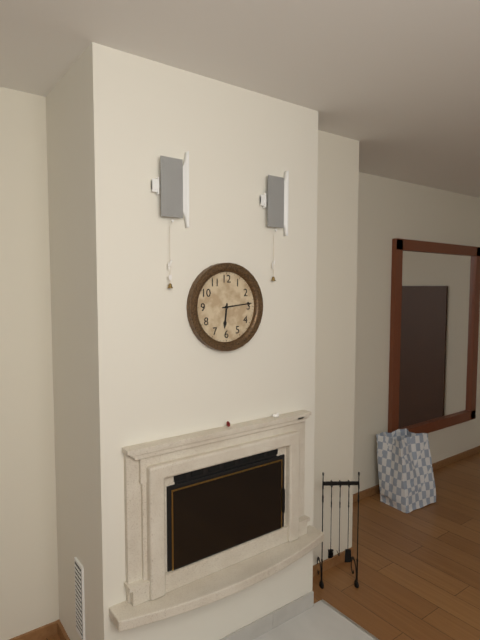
6.14
